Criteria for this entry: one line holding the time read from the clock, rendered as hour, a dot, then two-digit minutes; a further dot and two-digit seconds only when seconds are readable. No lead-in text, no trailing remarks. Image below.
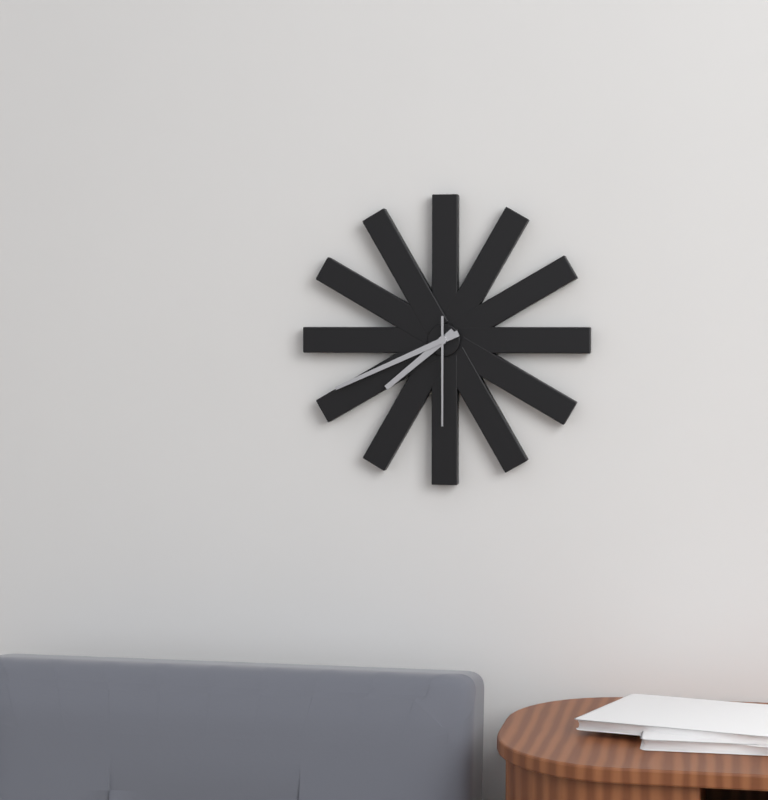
7.41.30
